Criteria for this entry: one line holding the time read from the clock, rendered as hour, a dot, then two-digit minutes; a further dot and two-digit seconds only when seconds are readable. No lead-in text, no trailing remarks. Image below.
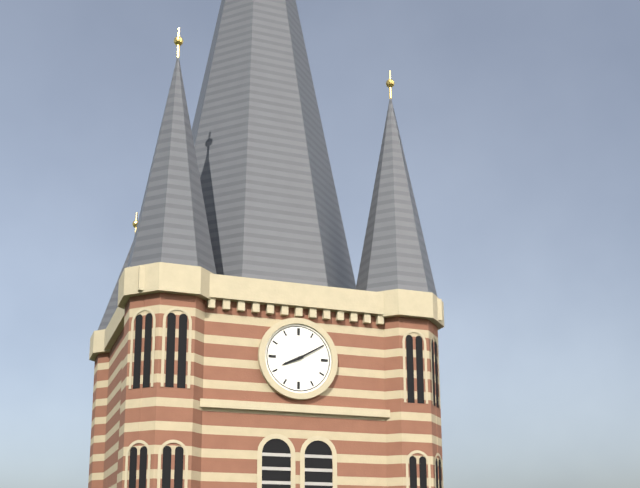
8.10
